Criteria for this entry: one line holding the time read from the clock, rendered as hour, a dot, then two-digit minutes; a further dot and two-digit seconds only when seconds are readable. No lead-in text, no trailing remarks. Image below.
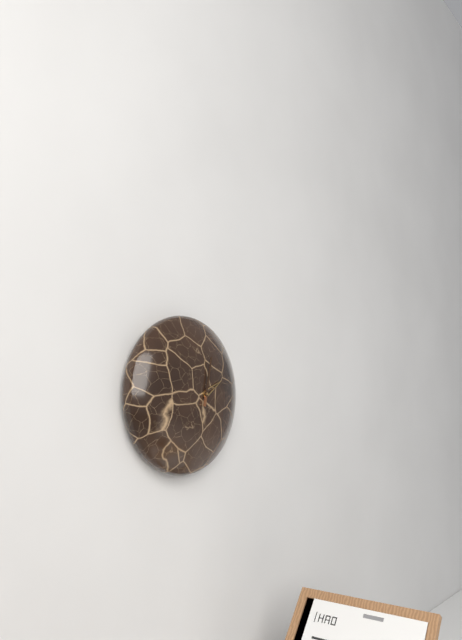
2.02
